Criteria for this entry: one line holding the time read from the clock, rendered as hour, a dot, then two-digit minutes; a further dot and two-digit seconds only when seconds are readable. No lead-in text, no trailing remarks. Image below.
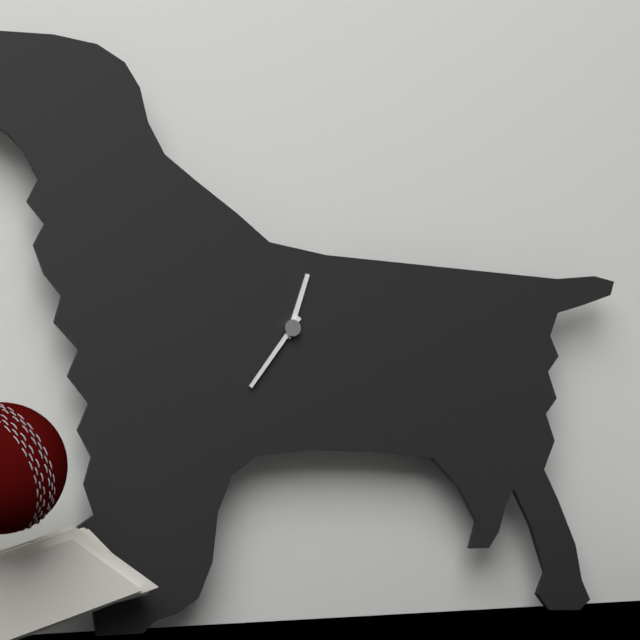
12.36
